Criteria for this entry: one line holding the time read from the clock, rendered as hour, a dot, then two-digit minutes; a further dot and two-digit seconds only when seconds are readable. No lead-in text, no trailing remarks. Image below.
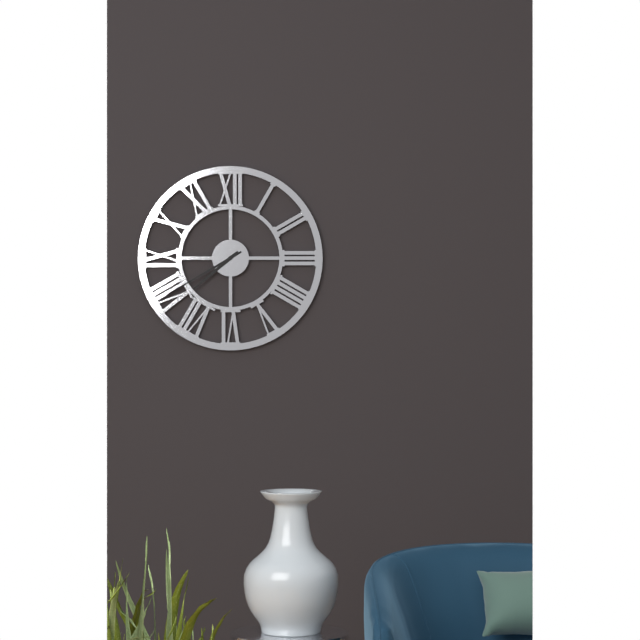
7.40
